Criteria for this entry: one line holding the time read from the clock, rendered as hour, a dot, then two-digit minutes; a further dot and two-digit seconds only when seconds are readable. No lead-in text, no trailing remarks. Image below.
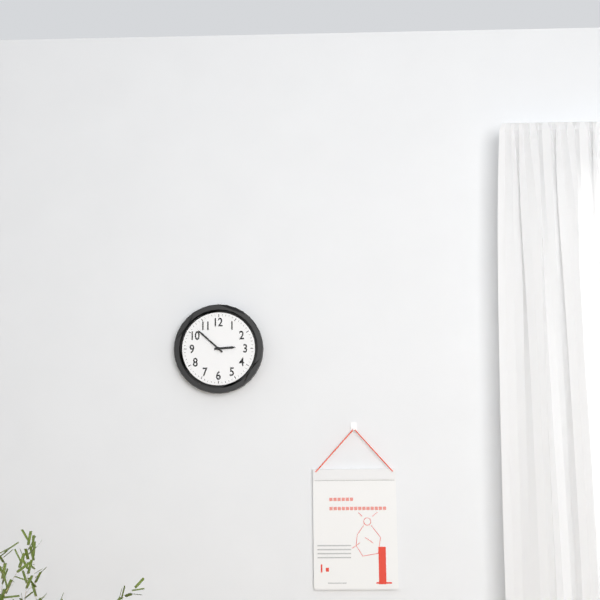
2.52
